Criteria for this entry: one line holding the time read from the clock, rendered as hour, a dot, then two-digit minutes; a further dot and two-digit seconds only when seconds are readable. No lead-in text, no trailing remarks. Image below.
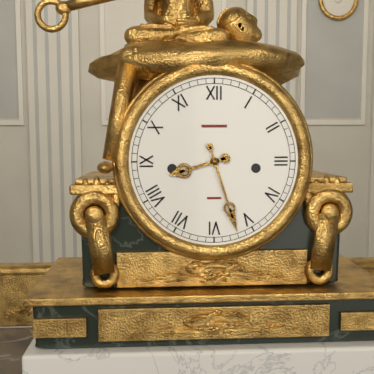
8.27
